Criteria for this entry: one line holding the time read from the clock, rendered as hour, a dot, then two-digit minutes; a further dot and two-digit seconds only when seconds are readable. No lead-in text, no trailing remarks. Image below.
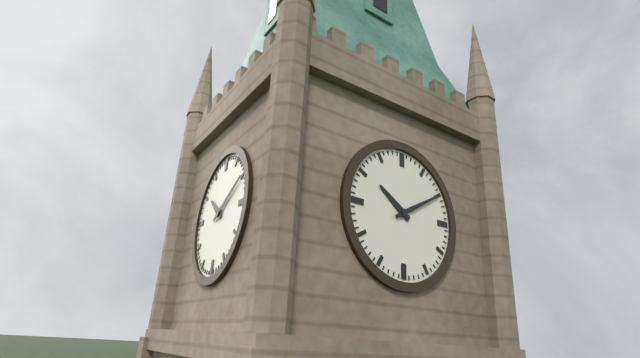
10.10
